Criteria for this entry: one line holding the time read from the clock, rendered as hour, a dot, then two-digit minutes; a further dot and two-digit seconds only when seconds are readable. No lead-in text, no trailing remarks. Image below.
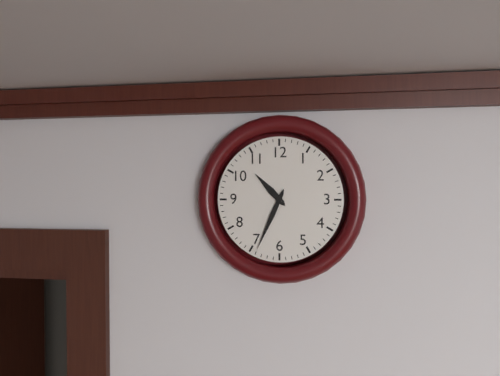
10.34
